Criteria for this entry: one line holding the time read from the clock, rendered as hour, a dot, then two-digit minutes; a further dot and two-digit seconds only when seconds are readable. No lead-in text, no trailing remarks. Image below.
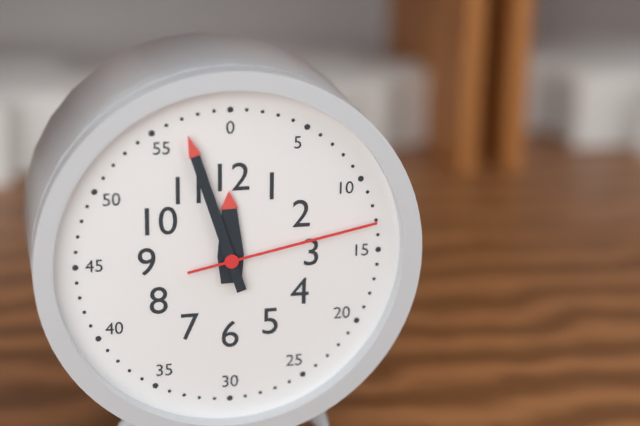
11.57.13
